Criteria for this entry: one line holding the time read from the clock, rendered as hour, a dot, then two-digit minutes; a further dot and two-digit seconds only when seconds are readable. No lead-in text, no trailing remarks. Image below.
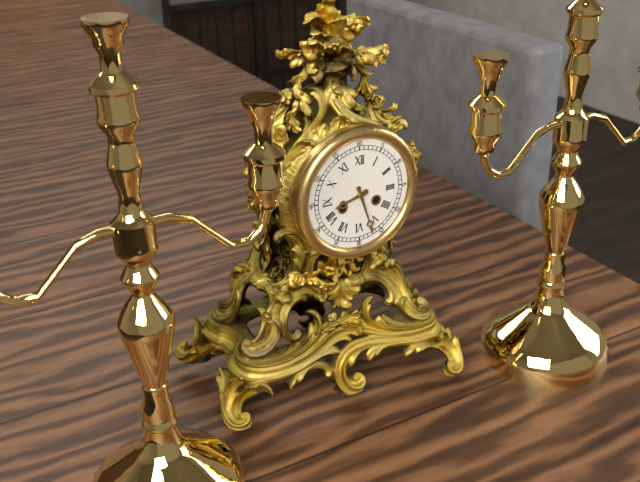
8.27
